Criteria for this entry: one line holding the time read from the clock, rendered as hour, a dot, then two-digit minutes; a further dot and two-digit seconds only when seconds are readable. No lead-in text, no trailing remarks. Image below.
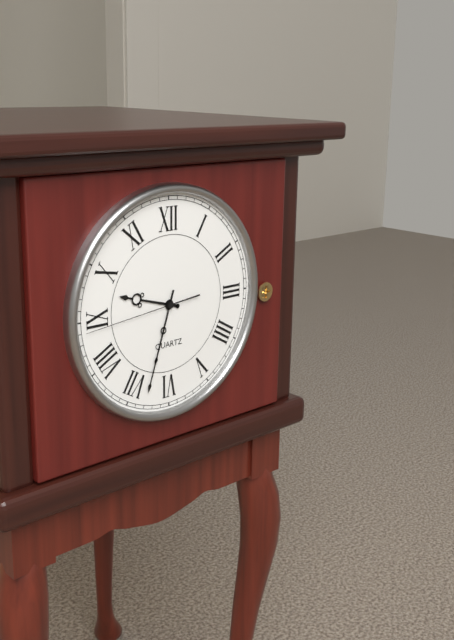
9.33.44
